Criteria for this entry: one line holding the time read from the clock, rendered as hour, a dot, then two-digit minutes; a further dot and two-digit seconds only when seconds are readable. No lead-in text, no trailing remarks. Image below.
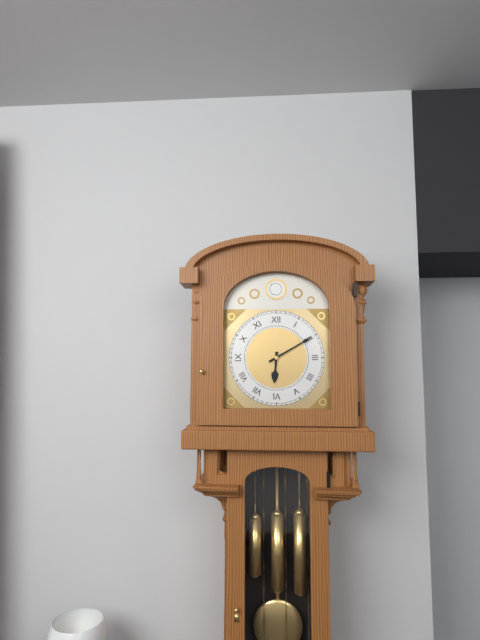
6.10
